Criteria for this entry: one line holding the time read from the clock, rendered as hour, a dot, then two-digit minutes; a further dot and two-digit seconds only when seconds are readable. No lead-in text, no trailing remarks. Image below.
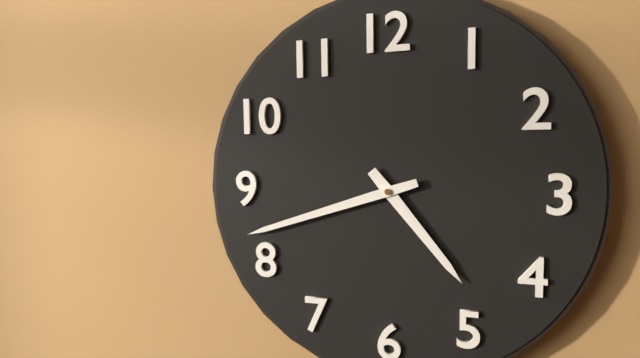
4.42
